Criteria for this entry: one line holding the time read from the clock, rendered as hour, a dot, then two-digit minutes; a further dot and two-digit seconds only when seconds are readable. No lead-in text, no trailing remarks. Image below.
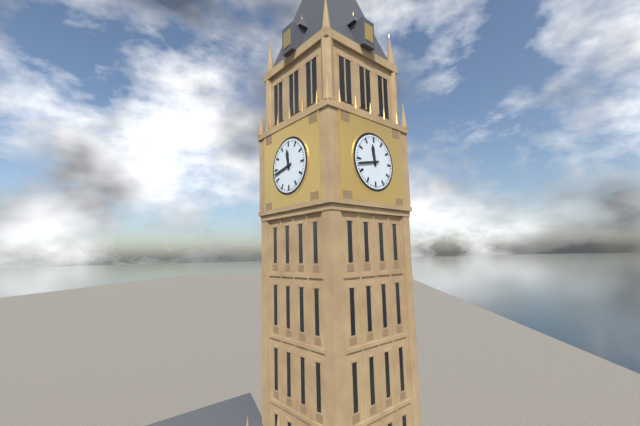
11.43
